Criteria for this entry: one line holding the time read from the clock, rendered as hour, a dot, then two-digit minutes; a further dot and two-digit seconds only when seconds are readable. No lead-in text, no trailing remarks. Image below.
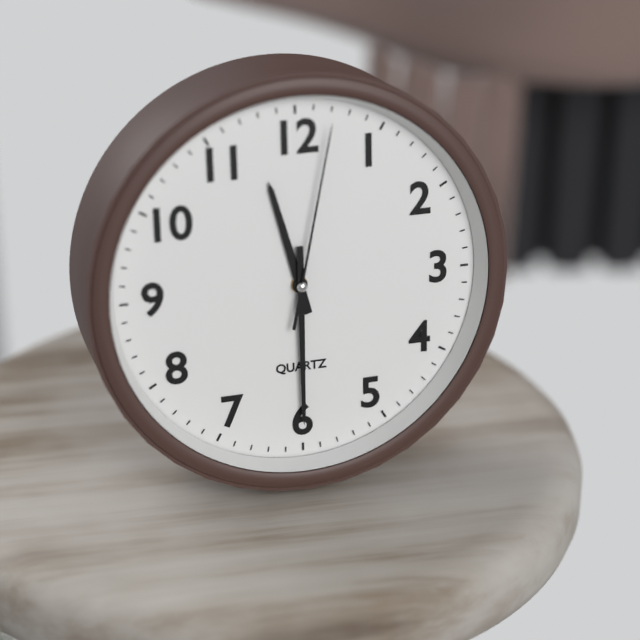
11.30.02
